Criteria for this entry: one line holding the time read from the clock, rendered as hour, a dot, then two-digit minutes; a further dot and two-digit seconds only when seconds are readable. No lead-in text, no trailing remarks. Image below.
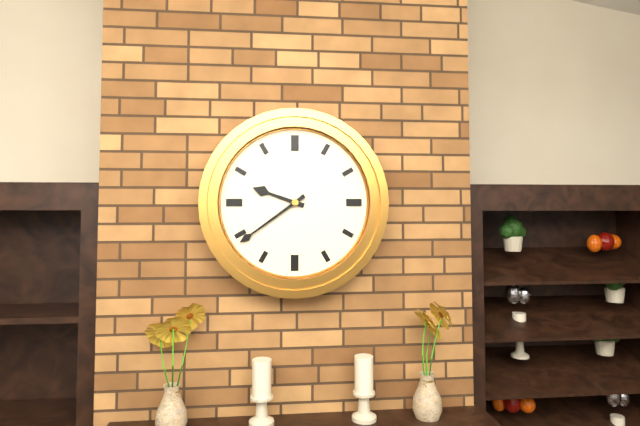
9.39
